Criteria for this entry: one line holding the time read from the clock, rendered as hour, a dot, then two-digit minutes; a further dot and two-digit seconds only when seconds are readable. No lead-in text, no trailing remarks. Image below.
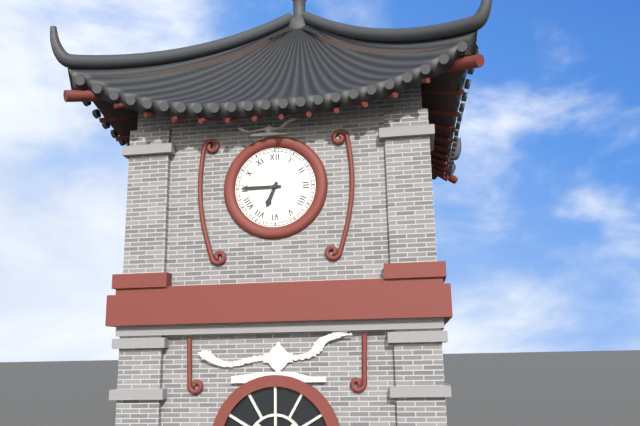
6.45
